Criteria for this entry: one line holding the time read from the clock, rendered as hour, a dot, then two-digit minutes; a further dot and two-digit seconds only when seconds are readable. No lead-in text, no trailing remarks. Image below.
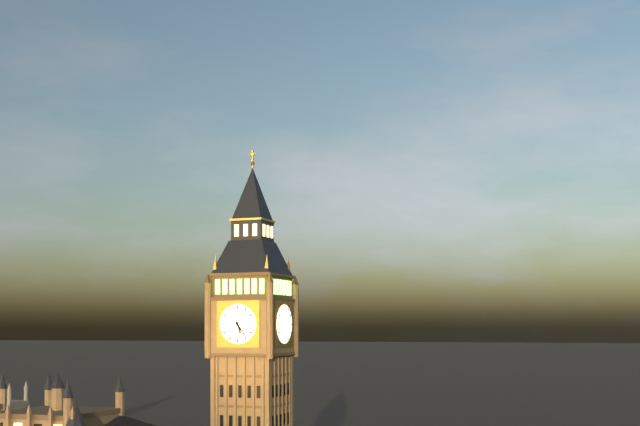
5.24
